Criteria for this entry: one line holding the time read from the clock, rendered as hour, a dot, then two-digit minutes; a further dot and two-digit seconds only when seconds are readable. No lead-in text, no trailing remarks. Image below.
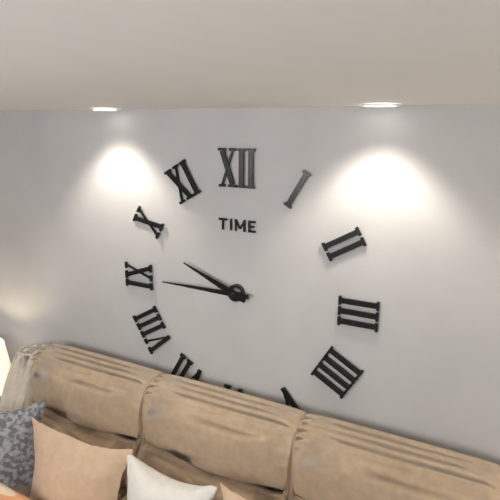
9.45
